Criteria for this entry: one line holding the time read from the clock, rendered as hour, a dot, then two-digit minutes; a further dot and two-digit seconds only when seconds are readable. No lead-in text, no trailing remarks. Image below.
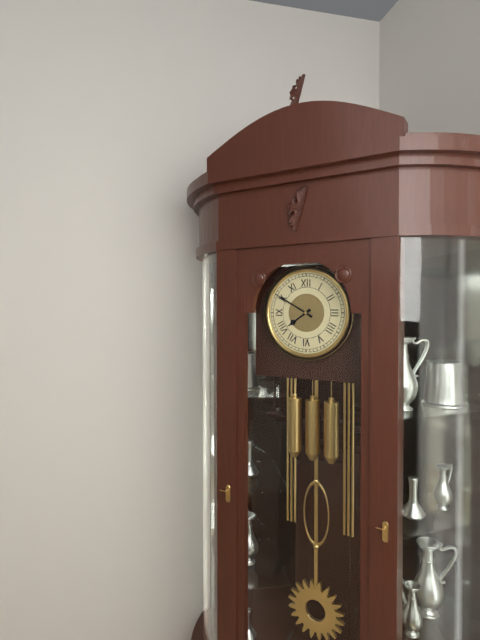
7.50
